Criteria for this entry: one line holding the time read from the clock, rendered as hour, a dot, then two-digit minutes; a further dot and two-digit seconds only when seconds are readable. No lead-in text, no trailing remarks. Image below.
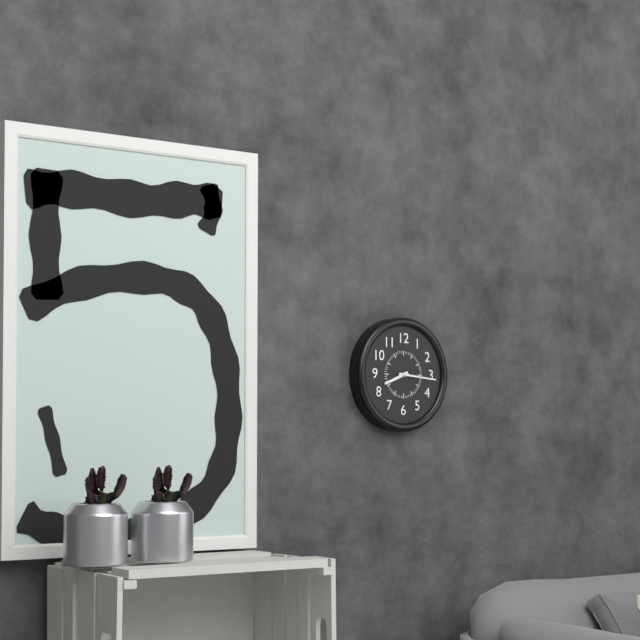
8.16
